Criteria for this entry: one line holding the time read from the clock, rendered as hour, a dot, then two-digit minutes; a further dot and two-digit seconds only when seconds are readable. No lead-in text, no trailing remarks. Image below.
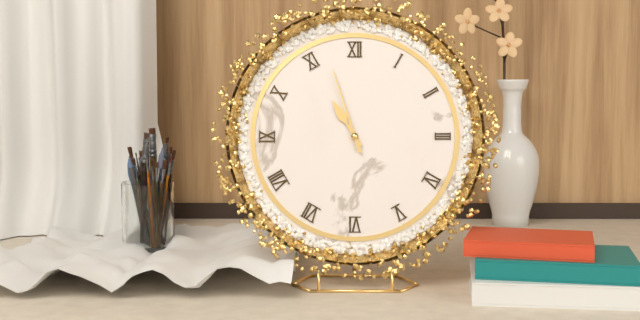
10.57
